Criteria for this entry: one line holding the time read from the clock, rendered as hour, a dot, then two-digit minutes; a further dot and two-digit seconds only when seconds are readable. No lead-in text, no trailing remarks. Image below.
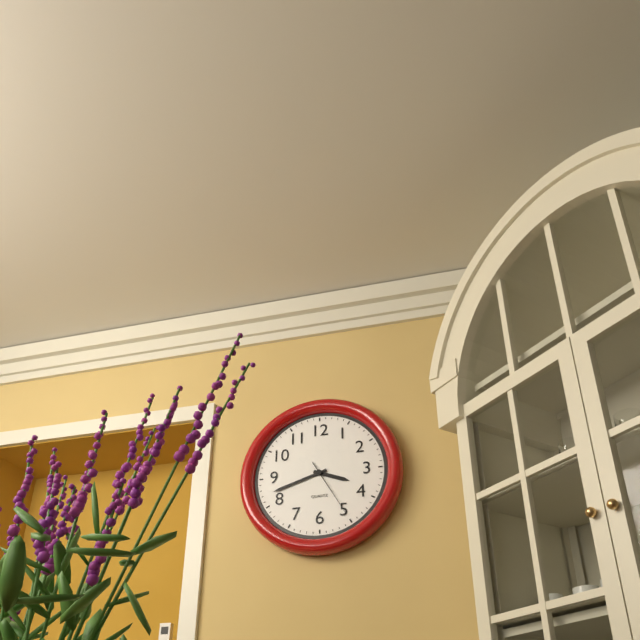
3.42.25
